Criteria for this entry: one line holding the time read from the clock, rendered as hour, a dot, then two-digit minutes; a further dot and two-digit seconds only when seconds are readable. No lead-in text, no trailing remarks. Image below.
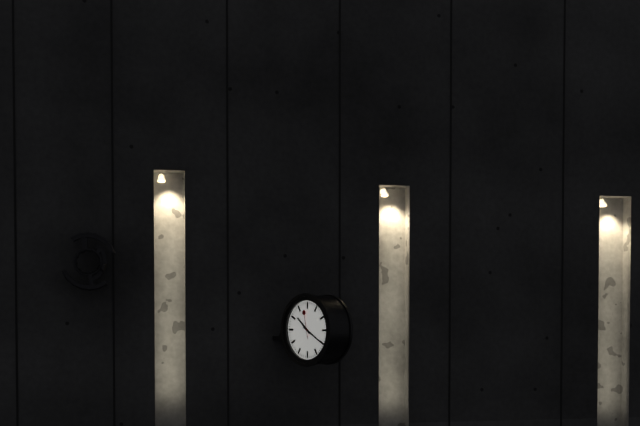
10.20
